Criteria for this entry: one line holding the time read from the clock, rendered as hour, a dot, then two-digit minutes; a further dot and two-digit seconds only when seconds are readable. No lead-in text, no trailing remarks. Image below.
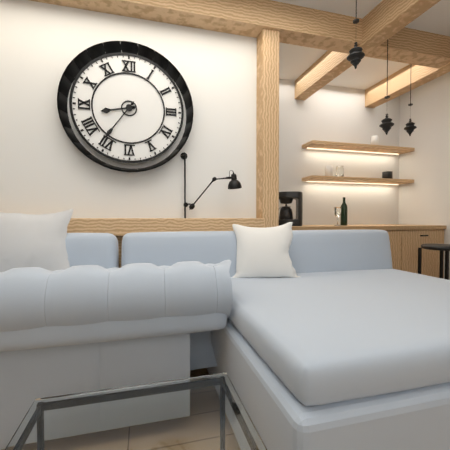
8.36
